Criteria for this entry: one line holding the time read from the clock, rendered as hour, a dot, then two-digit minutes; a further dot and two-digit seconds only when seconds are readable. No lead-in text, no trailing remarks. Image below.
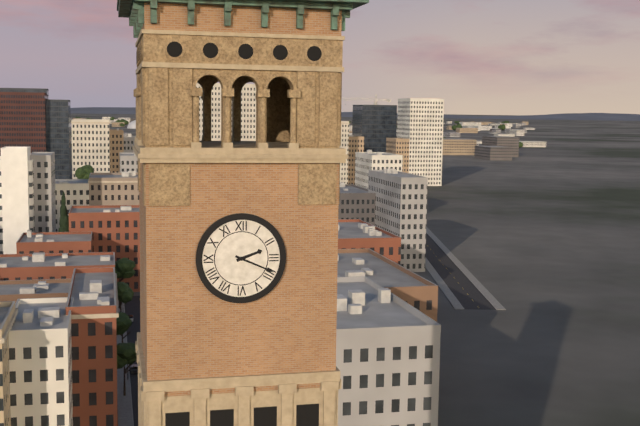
2.19
